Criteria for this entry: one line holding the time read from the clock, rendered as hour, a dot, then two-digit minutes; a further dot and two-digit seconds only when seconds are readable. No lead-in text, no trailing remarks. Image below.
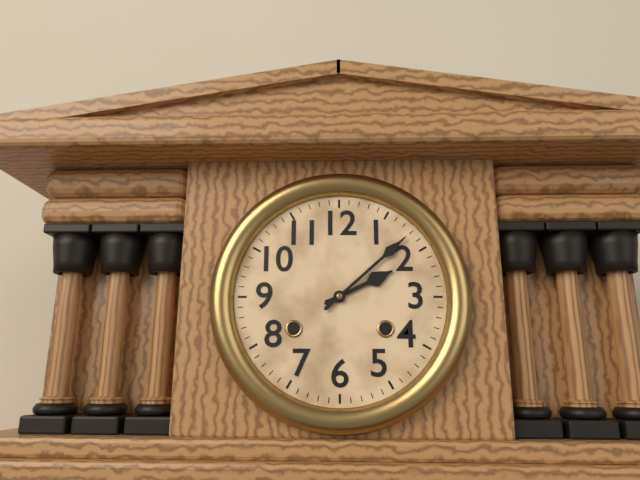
2.08
